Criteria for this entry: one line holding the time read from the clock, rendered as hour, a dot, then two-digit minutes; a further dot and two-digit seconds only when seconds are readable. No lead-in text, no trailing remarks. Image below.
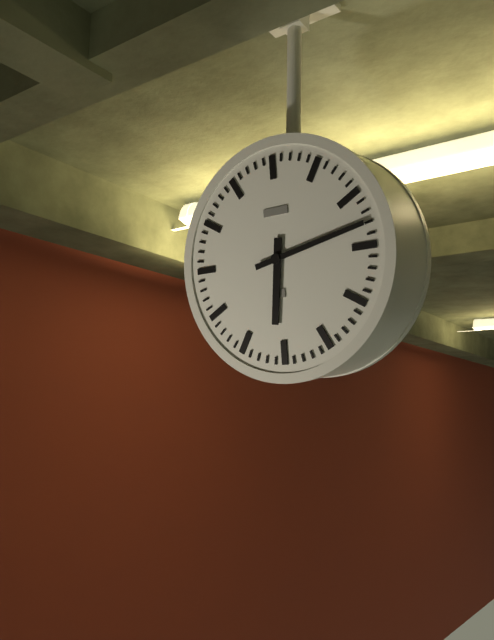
6.13
